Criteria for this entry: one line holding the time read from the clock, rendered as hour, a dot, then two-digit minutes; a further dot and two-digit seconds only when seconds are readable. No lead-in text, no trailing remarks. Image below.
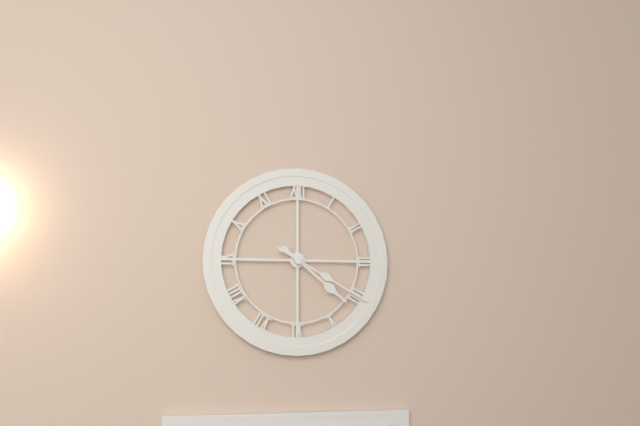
4.20
